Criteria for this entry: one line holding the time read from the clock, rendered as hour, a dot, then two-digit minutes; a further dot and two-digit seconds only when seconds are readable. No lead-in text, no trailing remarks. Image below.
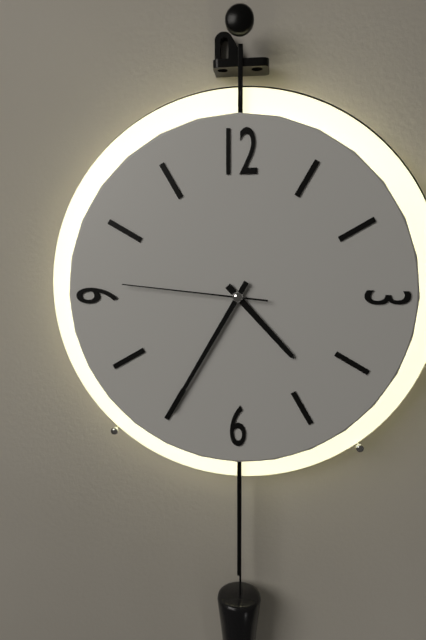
4.35.46
